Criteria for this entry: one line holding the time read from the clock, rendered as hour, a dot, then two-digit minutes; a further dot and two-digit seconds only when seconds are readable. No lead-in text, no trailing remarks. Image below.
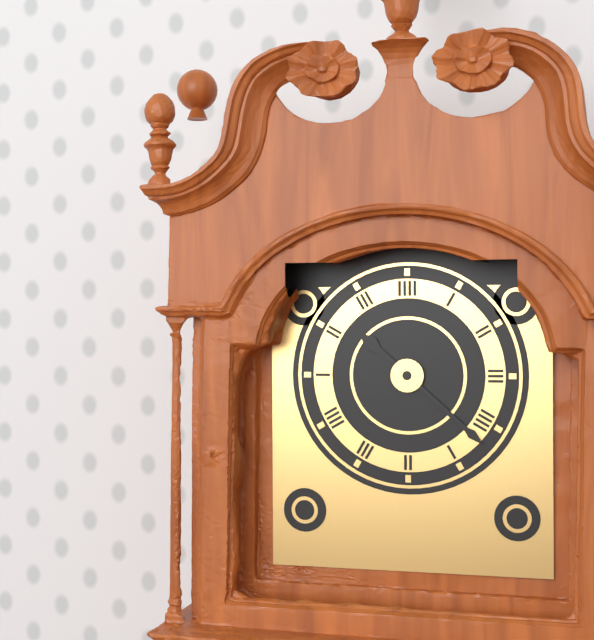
10.22
